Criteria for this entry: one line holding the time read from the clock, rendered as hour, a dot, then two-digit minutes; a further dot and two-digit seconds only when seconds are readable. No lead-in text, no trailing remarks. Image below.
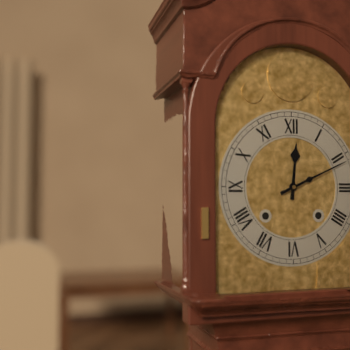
12.11
